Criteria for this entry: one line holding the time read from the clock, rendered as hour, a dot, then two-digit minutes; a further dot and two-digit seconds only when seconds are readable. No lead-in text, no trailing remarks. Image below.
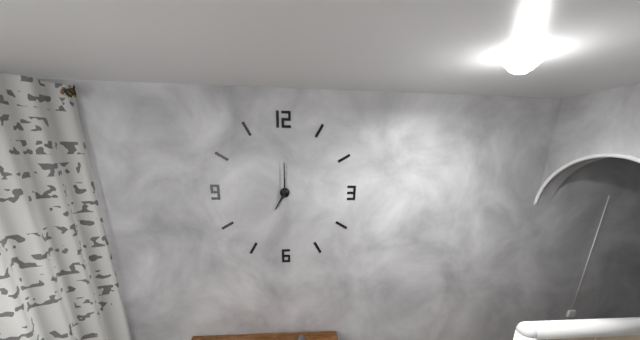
7.00
